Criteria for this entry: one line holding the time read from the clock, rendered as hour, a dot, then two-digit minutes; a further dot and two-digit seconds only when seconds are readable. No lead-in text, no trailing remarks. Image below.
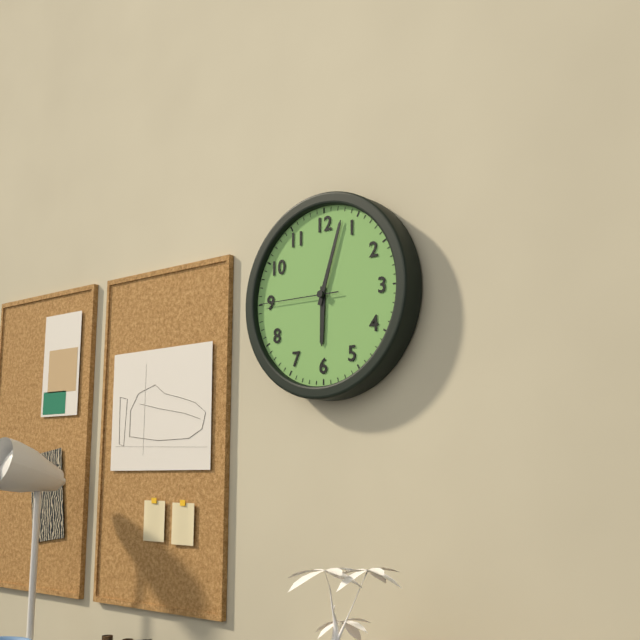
6.03.45
